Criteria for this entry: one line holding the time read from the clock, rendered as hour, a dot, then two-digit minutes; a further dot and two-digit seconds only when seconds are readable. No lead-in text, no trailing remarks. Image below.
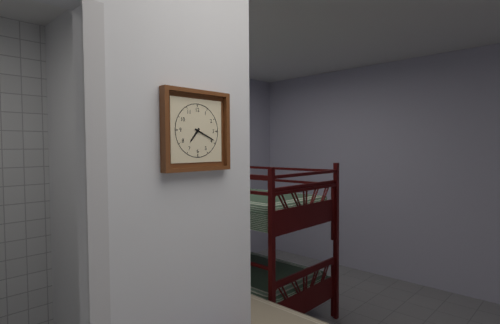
7.19
